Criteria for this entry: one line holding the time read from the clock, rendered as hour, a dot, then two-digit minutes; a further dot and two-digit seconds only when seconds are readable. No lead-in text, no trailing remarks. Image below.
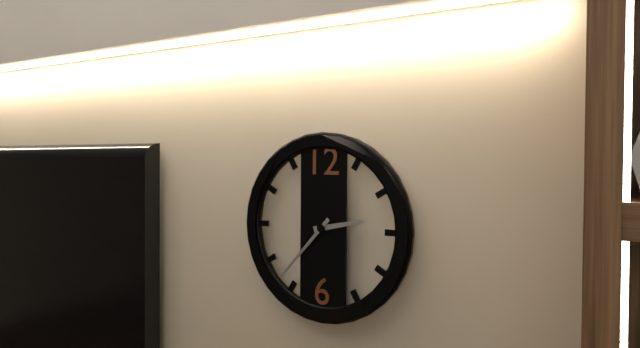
2.37
